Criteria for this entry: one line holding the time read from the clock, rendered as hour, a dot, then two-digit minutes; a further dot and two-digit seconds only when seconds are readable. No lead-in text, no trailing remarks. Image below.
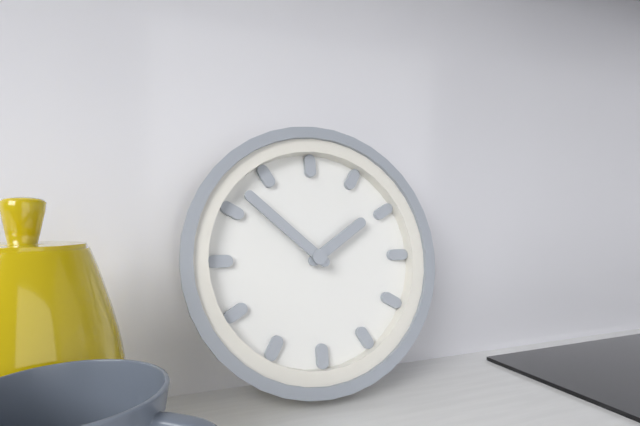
1.52
